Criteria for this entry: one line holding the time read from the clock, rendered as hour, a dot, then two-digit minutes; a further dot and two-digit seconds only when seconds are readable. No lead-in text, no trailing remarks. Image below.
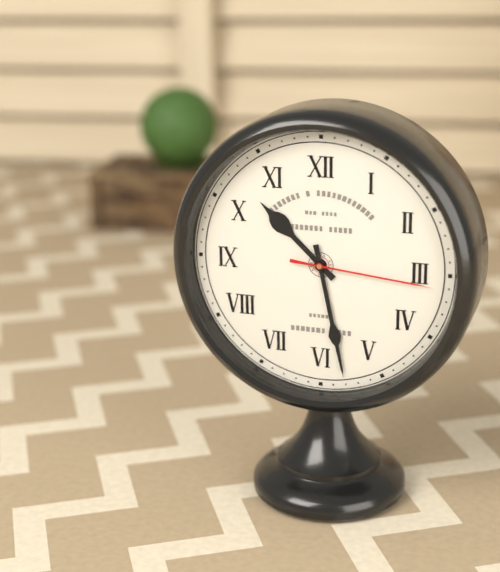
10.28.16
